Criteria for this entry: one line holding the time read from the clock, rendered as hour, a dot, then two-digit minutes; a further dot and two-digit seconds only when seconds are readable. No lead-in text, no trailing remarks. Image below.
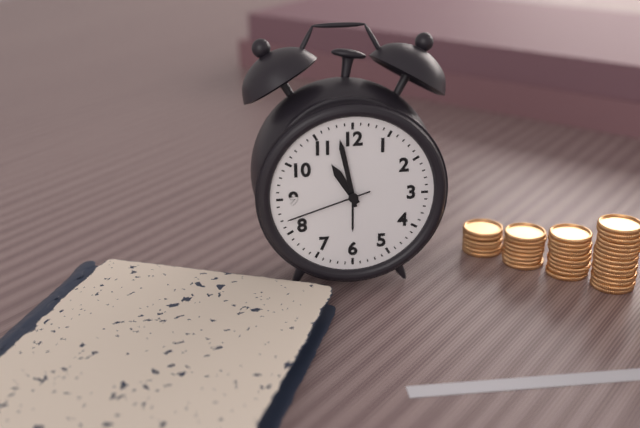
10.58.42
